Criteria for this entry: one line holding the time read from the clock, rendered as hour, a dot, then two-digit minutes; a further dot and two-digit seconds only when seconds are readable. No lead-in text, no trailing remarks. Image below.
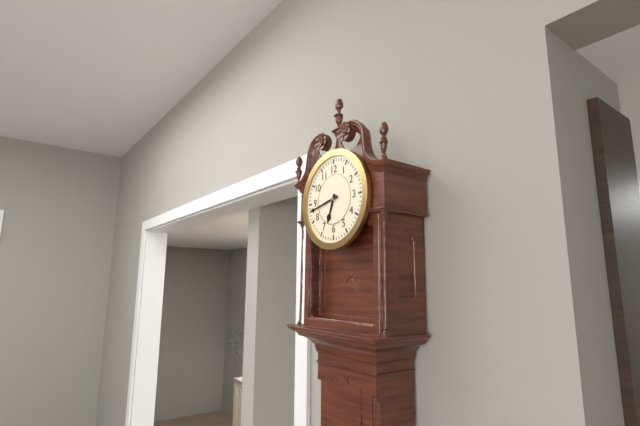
6.43
